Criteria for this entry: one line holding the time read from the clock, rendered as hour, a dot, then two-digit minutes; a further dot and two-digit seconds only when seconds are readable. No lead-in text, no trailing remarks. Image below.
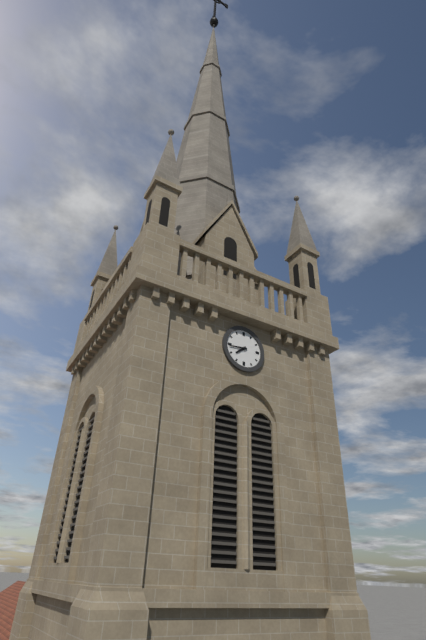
7.44
